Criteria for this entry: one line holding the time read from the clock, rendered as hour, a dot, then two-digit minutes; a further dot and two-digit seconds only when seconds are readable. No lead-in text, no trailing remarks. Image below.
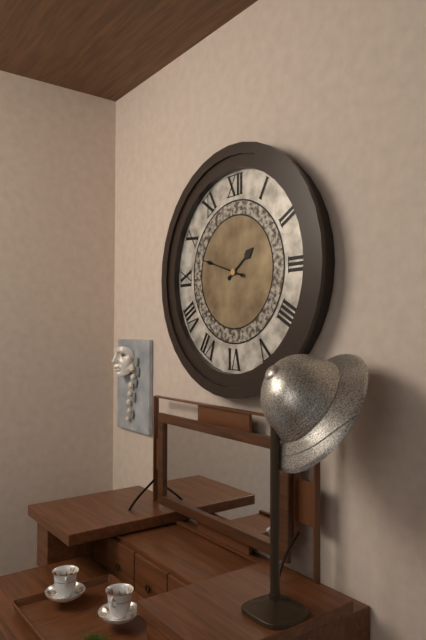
1.48
